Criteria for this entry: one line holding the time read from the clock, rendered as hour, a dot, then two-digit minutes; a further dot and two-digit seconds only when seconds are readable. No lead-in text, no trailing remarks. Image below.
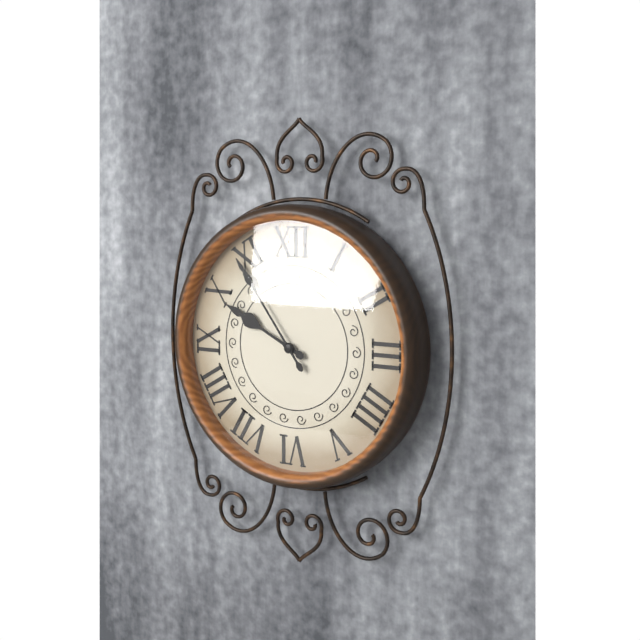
9.54
